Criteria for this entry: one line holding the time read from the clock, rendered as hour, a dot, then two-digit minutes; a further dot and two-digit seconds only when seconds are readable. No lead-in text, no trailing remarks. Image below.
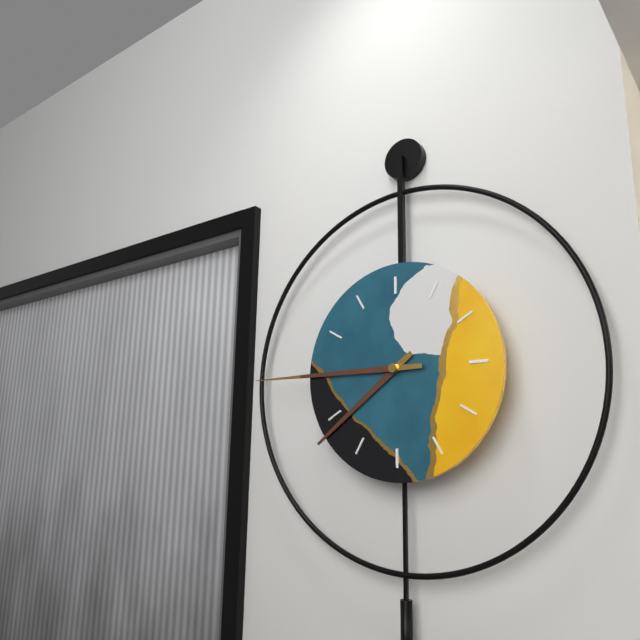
7.45
